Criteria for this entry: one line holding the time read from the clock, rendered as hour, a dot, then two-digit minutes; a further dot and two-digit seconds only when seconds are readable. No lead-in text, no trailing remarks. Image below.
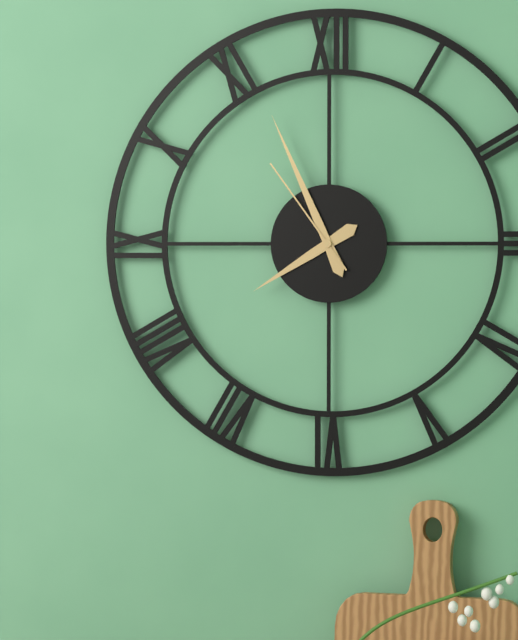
7.56.54
